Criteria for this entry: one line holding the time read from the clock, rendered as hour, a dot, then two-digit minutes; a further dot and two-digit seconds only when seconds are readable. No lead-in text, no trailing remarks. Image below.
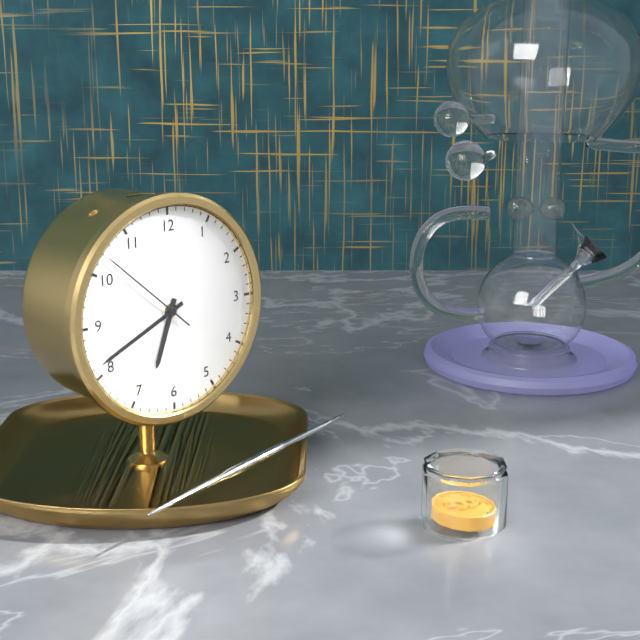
6.41.52
